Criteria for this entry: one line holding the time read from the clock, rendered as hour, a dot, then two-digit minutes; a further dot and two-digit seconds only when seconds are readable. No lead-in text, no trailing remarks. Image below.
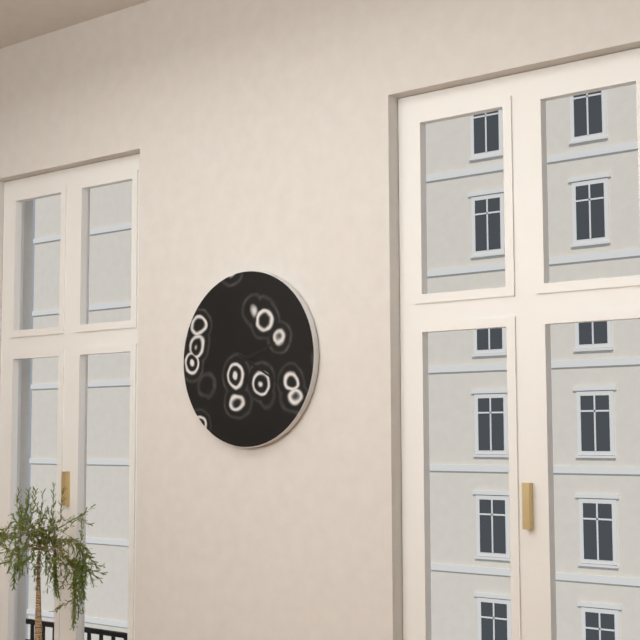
2.20
